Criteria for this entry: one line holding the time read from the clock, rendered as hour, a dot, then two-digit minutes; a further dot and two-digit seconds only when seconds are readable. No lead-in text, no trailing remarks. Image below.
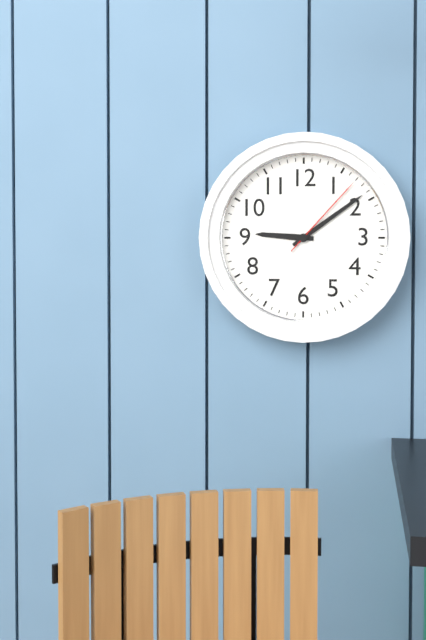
9.09.07
